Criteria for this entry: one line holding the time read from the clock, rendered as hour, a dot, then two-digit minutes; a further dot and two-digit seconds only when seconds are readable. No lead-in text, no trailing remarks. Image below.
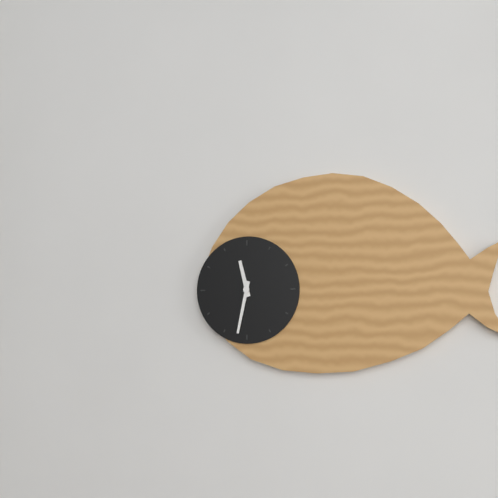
11.32
